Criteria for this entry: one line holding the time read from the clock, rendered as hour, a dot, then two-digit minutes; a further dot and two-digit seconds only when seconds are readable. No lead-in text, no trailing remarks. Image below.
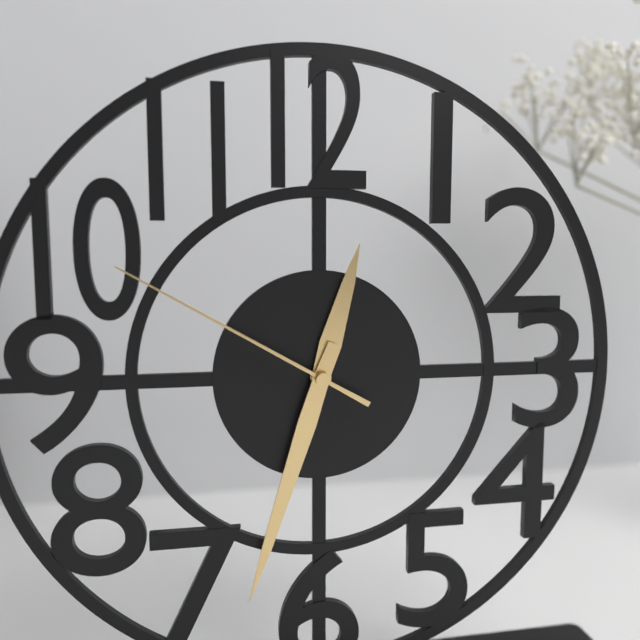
12.33.50
